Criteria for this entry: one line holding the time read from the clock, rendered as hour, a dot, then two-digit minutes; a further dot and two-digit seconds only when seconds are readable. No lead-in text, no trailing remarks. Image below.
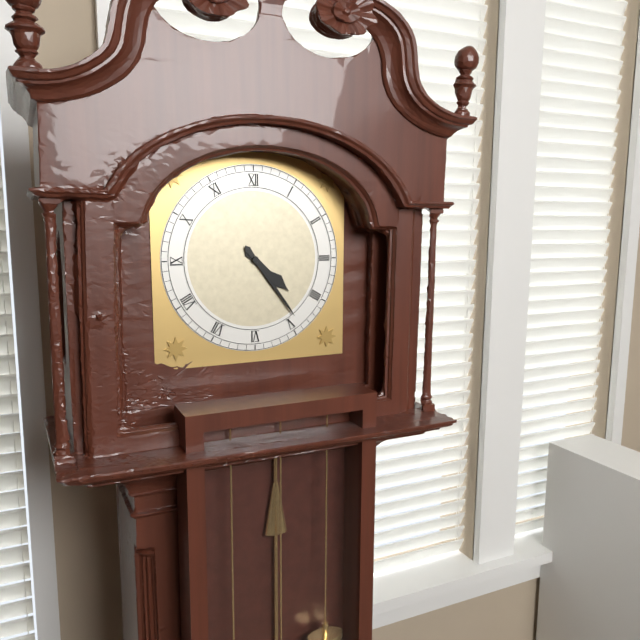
4.24
